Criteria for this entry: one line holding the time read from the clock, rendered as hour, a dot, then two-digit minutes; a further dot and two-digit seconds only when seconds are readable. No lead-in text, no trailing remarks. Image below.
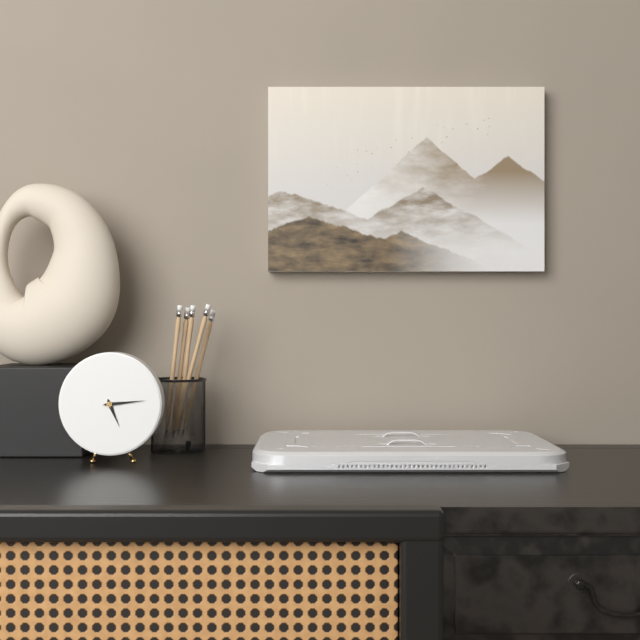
5.14
